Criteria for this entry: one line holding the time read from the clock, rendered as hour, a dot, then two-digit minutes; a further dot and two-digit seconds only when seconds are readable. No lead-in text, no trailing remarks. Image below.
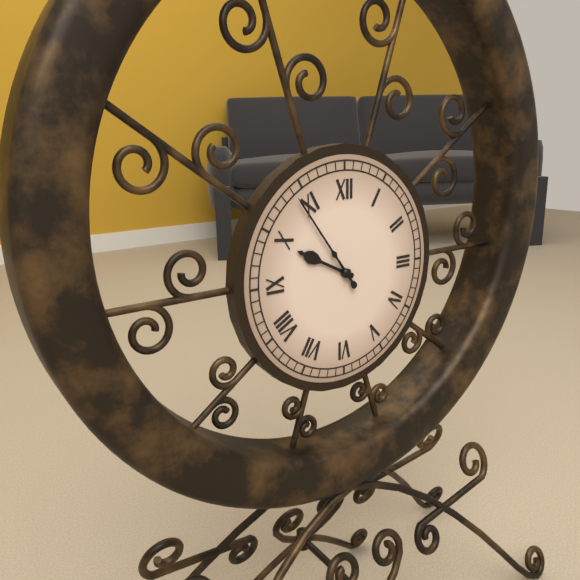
9.54
